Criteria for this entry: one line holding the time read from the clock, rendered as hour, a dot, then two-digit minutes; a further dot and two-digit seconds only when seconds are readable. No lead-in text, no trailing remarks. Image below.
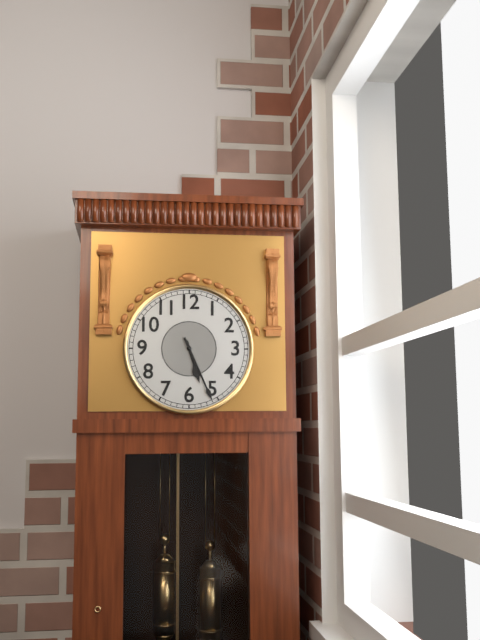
5.26
